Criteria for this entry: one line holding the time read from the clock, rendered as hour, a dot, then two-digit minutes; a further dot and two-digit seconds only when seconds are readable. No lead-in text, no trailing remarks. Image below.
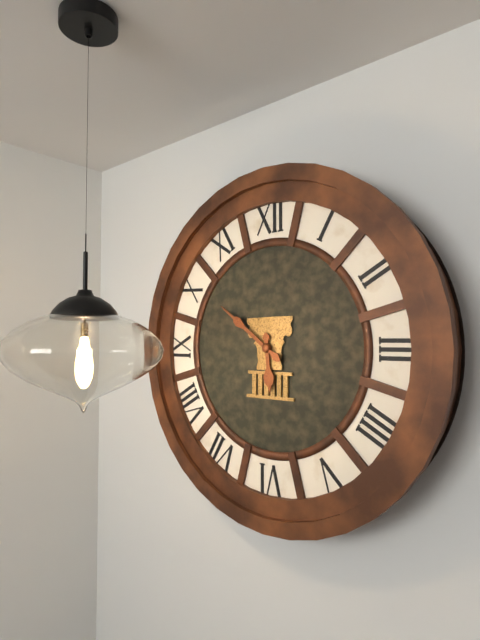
5.51
